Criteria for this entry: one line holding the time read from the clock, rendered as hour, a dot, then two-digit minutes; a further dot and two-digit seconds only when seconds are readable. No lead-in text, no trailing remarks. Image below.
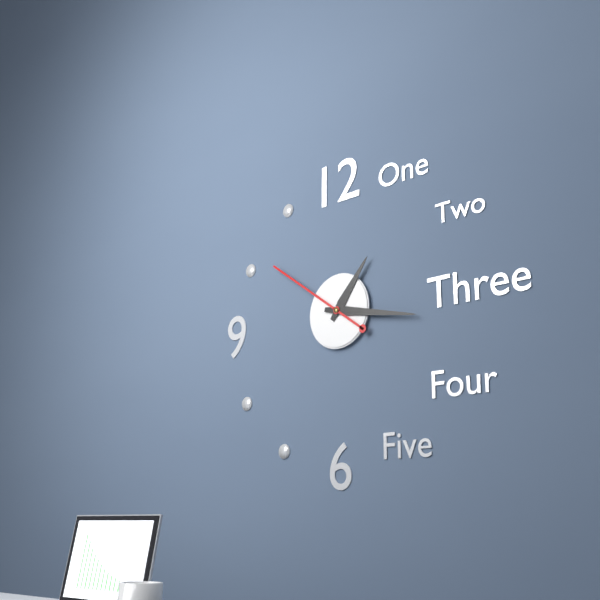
1.17.51
